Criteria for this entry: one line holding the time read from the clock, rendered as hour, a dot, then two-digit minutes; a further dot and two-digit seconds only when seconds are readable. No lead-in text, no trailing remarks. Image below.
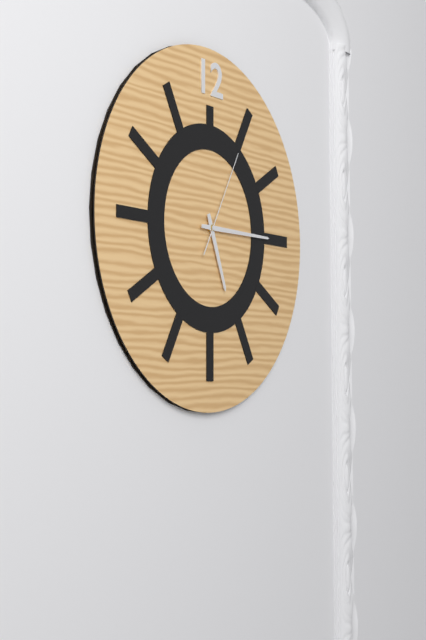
5.15.05
